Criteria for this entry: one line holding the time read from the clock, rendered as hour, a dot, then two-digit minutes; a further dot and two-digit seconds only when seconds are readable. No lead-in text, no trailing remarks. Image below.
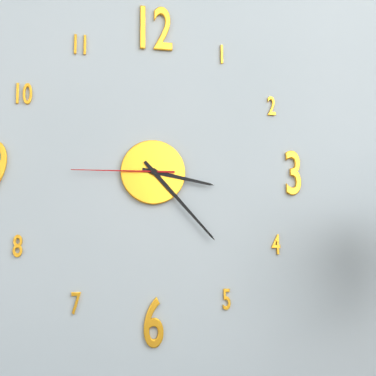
3.23.45
